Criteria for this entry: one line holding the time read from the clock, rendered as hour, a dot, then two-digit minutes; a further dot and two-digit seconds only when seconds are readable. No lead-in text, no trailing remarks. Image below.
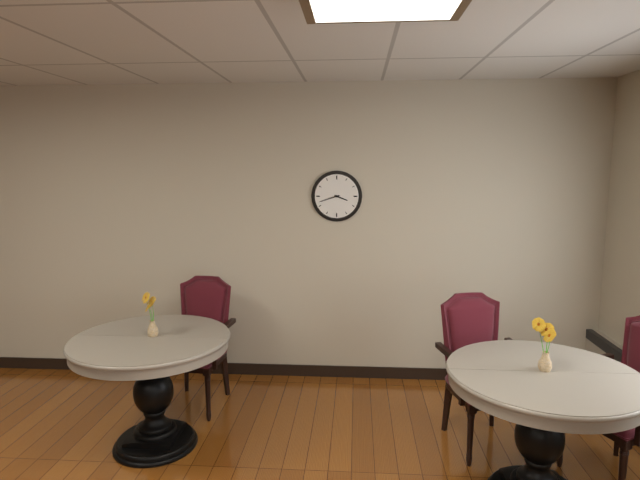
3.42
